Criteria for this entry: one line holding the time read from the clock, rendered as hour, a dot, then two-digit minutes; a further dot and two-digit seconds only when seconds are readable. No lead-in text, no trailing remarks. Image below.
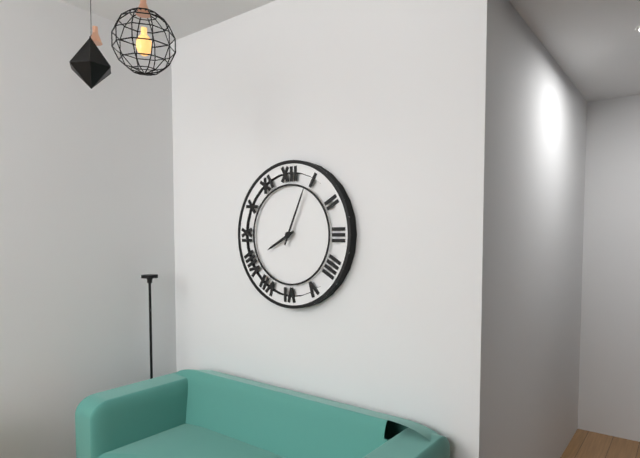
8.04
